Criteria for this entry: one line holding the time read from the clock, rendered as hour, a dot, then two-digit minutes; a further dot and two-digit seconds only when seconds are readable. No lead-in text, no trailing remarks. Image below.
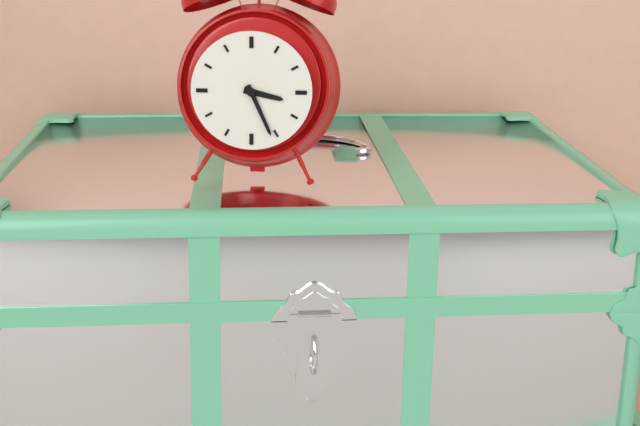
3.26
